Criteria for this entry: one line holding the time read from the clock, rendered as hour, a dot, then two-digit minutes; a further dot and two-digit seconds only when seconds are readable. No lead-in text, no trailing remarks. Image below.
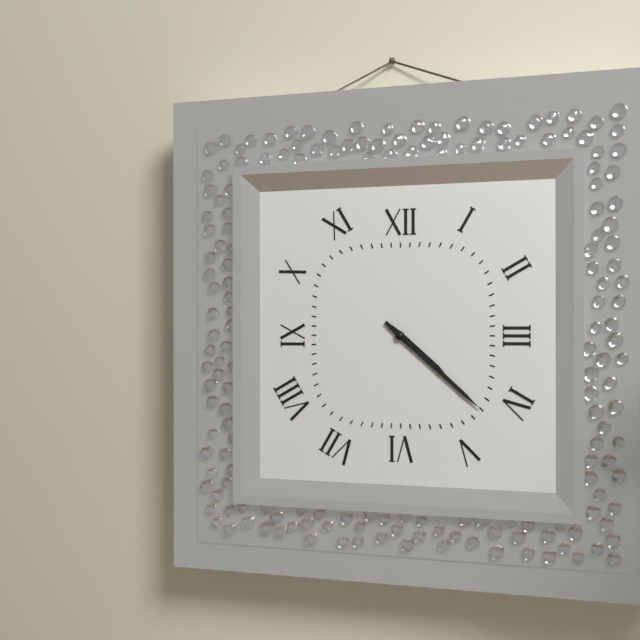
4.22
